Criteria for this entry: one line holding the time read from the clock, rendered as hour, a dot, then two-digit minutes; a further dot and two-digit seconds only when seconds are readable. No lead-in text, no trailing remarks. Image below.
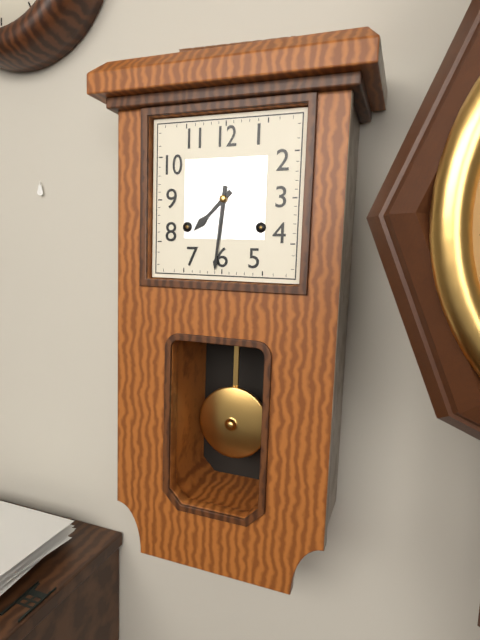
7.31
